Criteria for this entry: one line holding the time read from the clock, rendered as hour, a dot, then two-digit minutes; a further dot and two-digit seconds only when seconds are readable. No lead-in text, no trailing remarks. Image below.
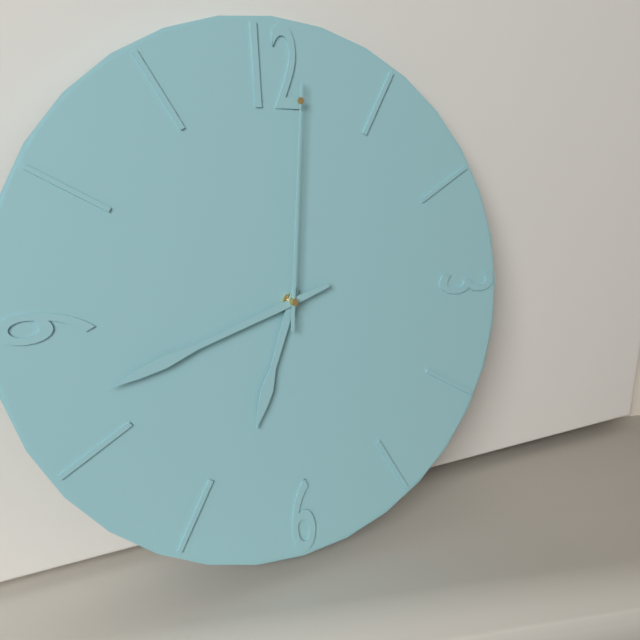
6.42.01
